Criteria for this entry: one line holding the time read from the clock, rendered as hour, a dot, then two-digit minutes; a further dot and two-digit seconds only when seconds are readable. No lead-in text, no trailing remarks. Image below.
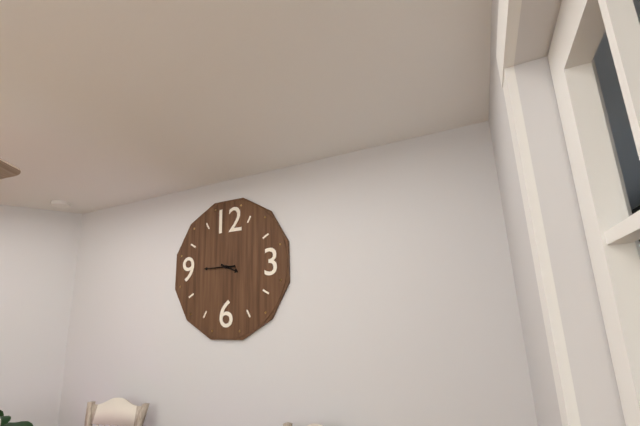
3.45
